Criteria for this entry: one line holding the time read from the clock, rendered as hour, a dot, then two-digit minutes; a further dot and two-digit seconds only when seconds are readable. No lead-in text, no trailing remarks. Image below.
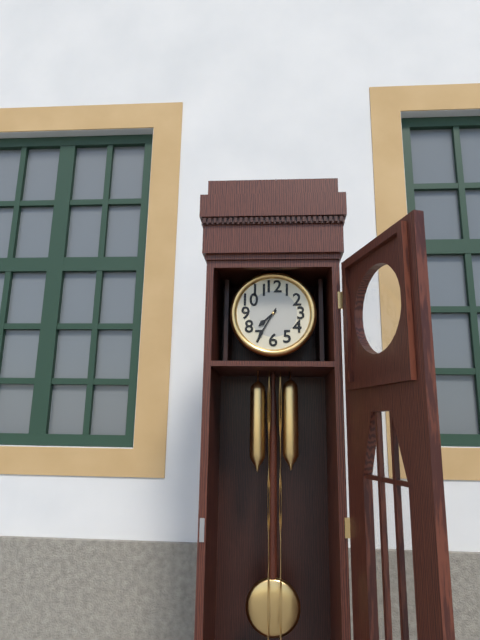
7.35
